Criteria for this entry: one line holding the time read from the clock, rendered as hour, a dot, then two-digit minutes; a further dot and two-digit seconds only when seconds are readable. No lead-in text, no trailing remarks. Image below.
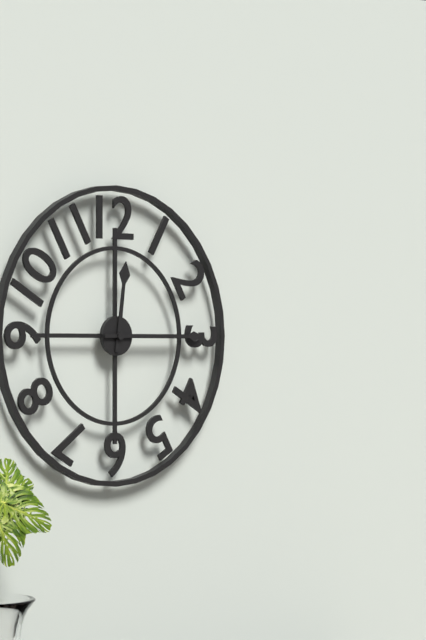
12.15
